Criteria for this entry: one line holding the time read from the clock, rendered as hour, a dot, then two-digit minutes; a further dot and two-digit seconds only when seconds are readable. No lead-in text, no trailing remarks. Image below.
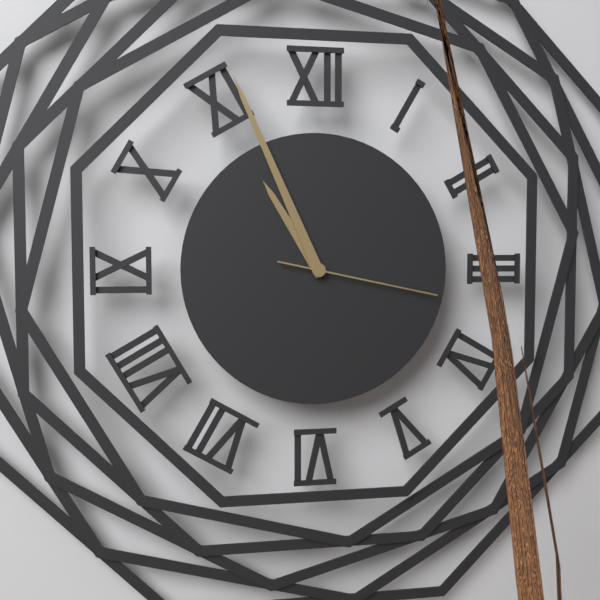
10.56.17
